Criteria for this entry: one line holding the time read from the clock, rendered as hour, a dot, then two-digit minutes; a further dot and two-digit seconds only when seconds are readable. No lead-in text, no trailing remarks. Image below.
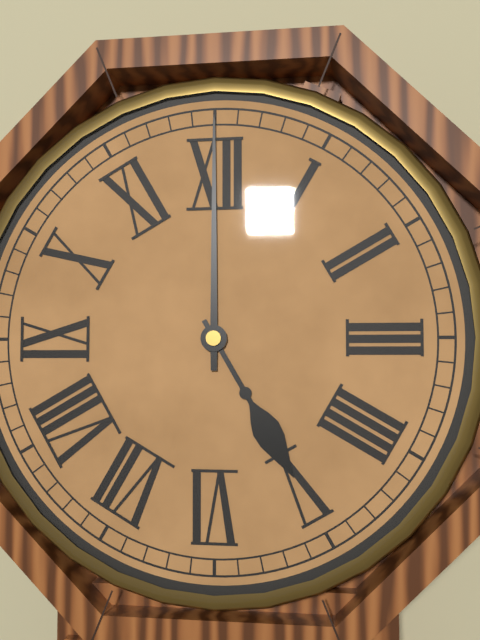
5.00
